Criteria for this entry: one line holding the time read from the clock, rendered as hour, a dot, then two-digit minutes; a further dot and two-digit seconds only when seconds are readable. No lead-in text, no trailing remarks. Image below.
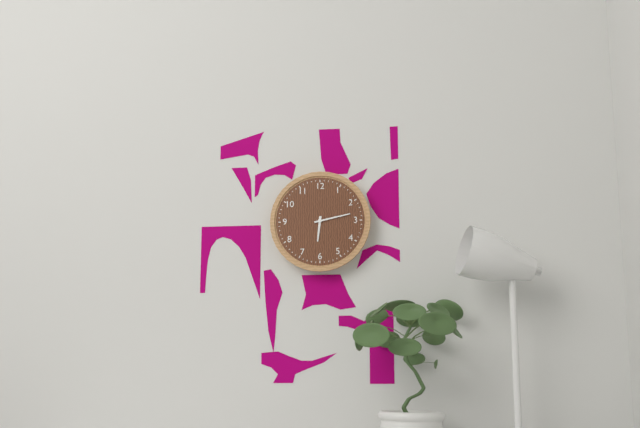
6.13
